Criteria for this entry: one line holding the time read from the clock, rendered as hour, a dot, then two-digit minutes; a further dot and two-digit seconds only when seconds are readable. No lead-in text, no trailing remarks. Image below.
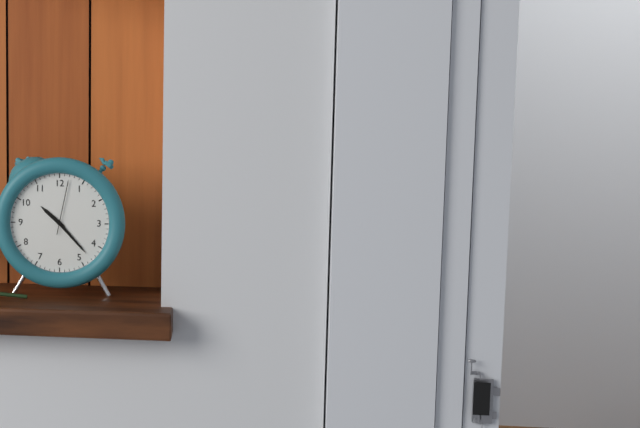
10.23.02
